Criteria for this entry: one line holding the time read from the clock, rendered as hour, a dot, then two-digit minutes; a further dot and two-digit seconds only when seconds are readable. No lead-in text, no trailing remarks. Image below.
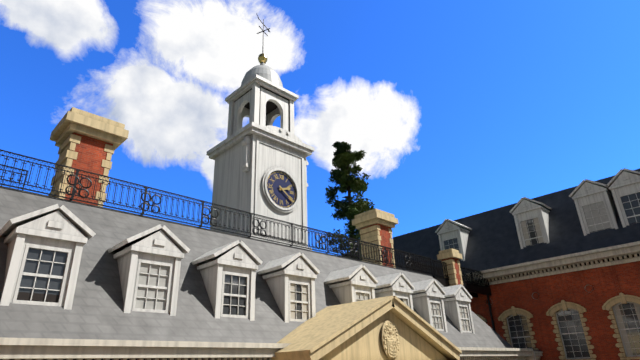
2.21
